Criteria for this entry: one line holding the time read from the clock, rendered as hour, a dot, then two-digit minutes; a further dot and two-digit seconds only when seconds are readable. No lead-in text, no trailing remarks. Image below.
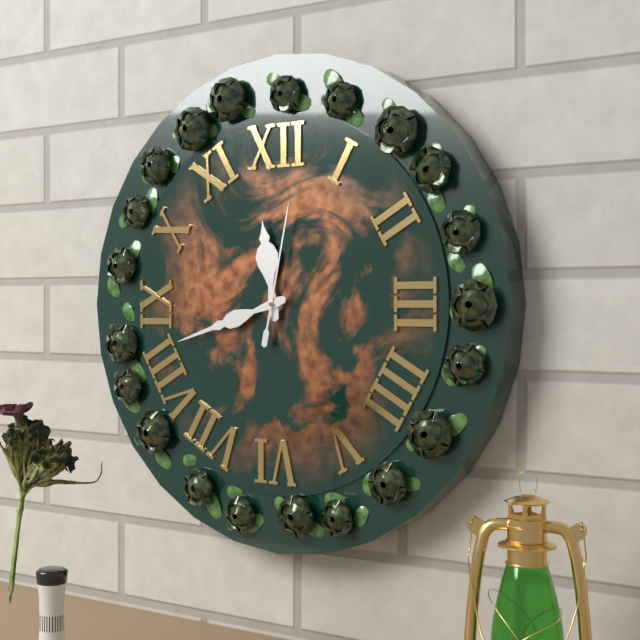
11.42.02
